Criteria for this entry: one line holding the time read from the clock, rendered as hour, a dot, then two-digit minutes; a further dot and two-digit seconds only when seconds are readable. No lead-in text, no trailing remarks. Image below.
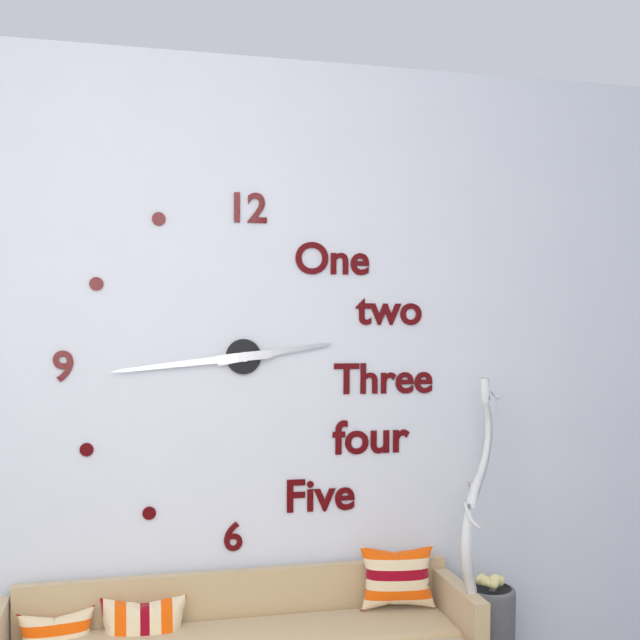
2.44
